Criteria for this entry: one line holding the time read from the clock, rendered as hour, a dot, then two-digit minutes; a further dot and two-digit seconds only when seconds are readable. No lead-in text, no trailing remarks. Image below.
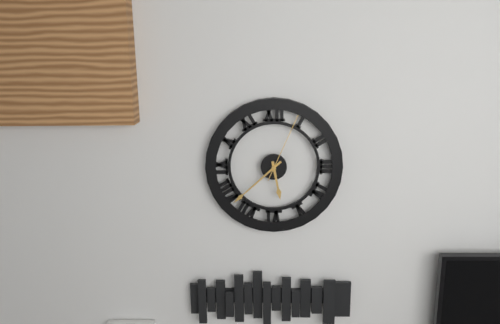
5.38.04
